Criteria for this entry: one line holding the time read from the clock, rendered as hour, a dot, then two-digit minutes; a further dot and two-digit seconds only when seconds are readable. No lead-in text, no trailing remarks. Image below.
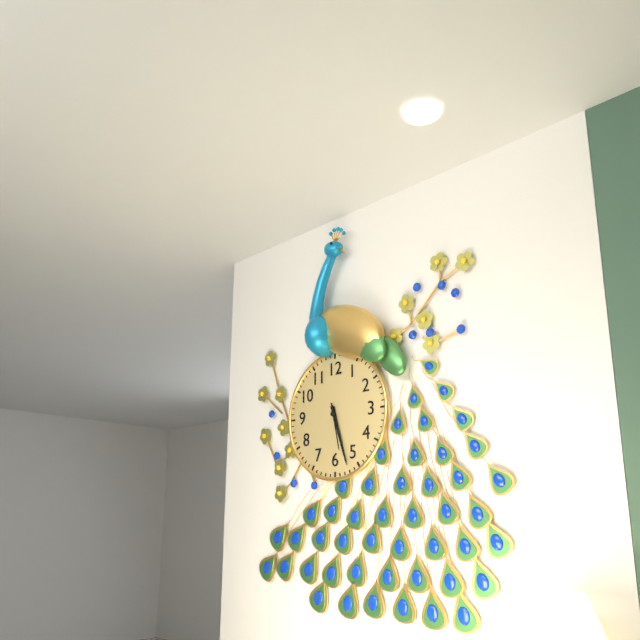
5.27
